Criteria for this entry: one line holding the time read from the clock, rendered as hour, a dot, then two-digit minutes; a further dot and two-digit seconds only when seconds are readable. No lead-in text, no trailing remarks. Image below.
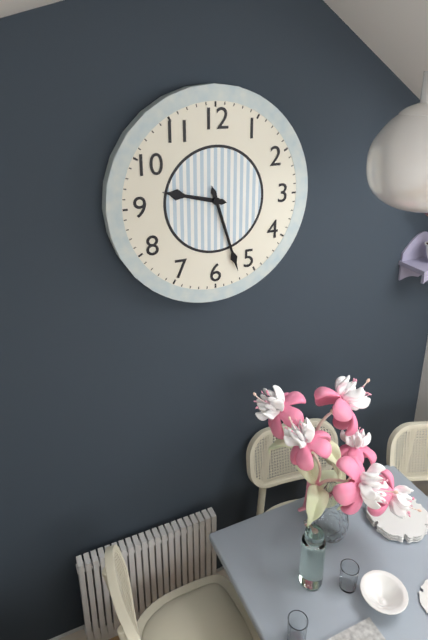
9.27
